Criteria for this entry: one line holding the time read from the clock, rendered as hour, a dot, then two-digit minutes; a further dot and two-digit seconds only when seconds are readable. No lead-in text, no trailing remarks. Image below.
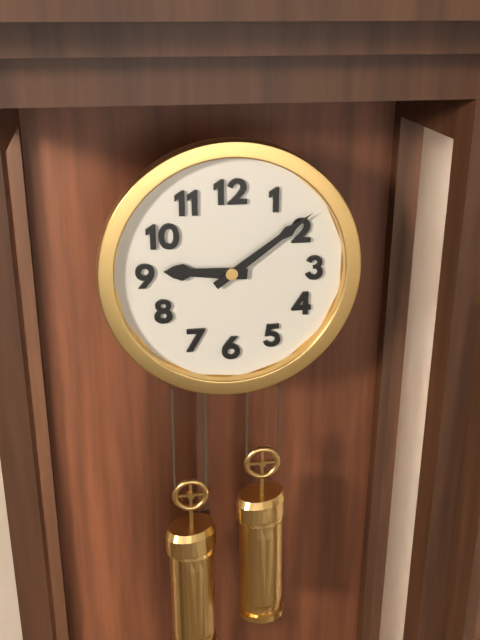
9.09
